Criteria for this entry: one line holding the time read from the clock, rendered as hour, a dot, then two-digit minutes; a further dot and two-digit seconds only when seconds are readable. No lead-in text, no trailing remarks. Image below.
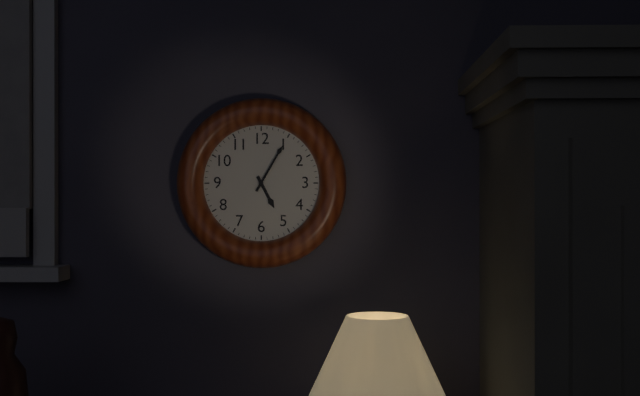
5.05
